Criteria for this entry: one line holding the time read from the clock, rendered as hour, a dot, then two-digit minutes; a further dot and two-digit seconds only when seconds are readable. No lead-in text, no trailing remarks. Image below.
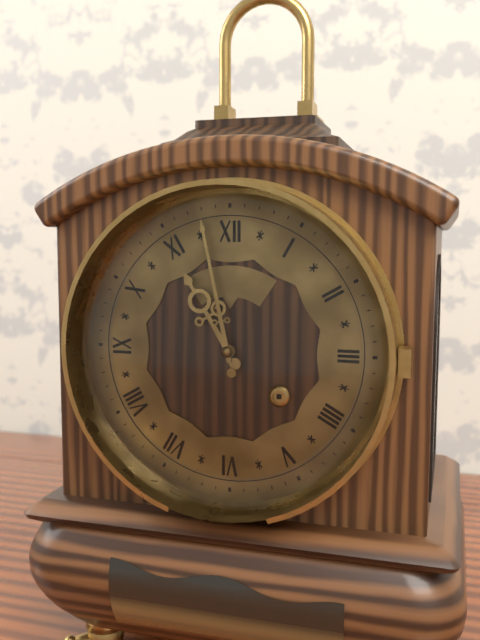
10.58
